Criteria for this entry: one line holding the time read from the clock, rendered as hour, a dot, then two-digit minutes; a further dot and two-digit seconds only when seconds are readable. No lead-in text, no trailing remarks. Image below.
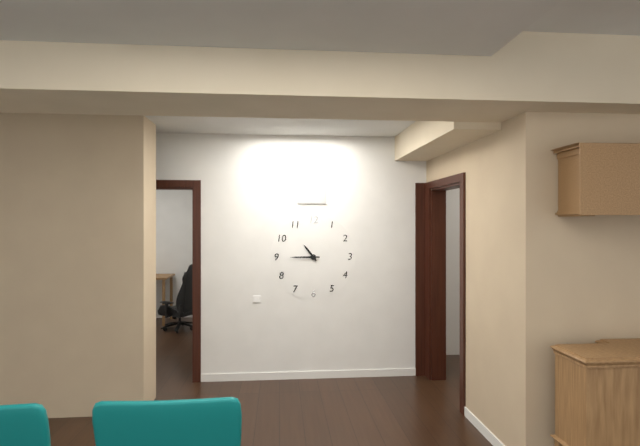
10.45
